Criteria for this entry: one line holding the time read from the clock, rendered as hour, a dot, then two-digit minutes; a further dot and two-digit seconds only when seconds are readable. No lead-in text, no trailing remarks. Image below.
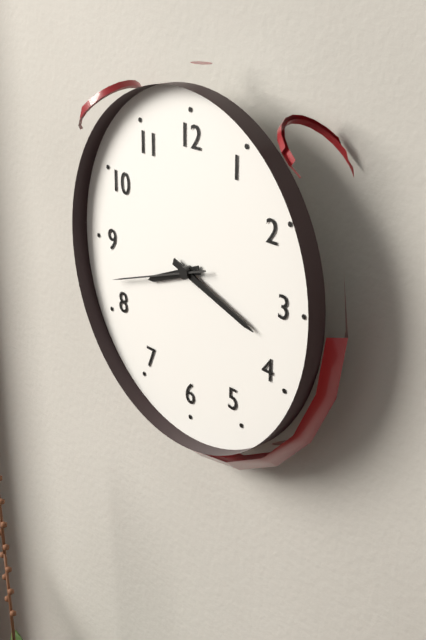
8.18.42
